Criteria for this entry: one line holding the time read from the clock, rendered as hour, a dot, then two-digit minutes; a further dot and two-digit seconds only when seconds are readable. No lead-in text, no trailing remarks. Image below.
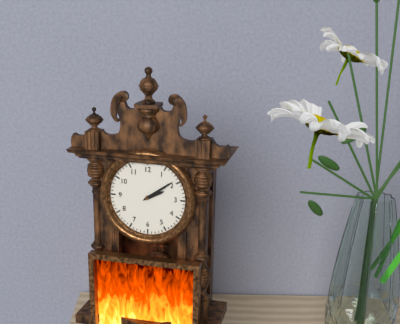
2.09
